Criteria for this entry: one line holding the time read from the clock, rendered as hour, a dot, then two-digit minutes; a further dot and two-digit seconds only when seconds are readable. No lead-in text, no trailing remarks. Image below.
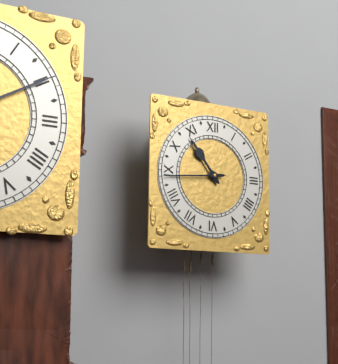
10.44
